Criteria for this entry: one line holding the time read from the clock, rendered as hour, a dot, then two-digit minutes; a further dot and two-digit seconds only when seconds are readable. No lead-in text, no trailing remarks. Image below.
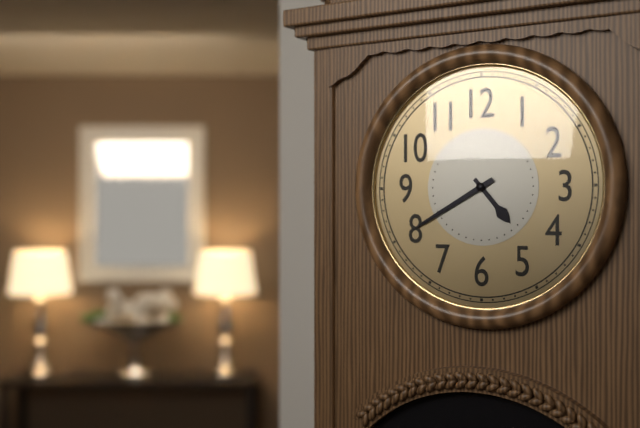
4.40
